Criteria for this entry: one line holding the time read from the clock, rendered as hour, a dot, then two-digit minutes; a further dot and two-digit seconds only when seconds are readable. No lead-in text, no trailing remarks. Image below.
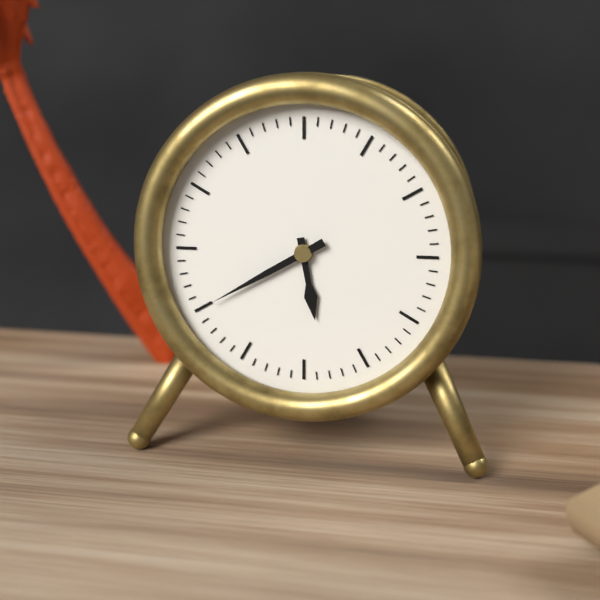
5.40
